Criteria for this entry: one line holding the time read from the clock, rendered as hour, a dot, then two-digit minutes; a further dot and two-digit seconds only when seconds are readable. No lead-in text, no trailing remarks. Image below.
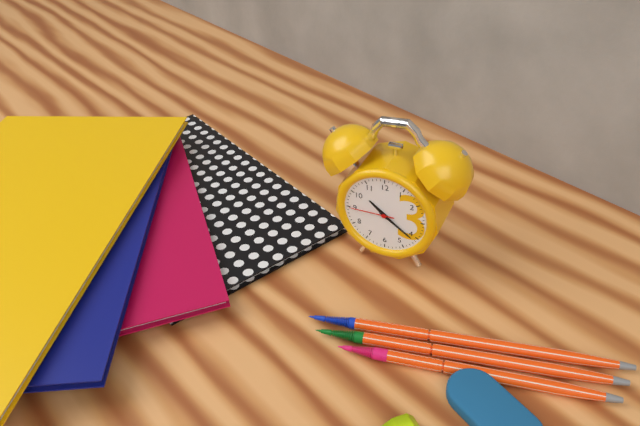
10.21
